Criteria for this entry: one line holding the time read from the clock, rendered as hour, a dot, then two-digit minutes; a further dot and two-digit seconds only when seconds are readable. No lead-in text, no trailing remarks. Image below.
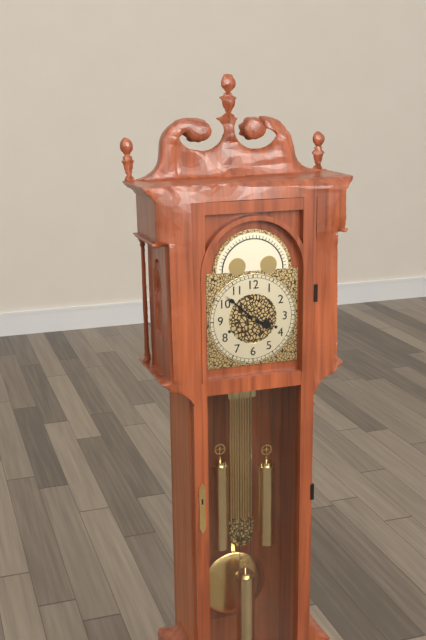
3.52
